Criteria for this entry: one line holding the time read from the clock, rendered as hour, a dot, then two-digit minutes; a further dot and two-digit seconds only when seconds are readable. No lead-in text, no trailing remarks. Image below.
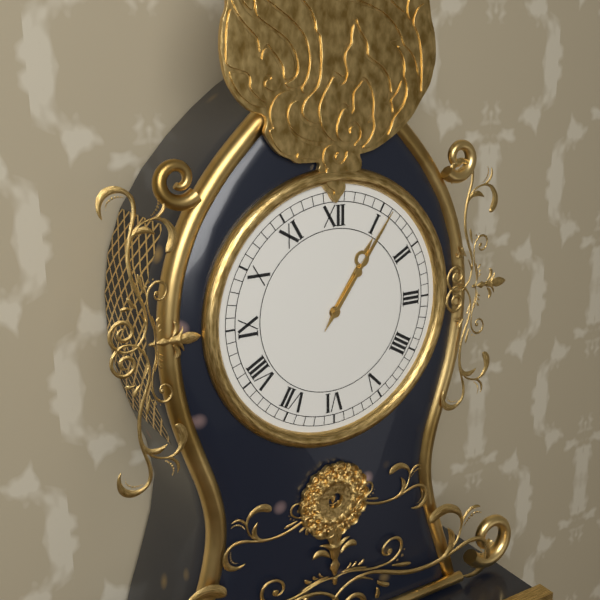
1.06
